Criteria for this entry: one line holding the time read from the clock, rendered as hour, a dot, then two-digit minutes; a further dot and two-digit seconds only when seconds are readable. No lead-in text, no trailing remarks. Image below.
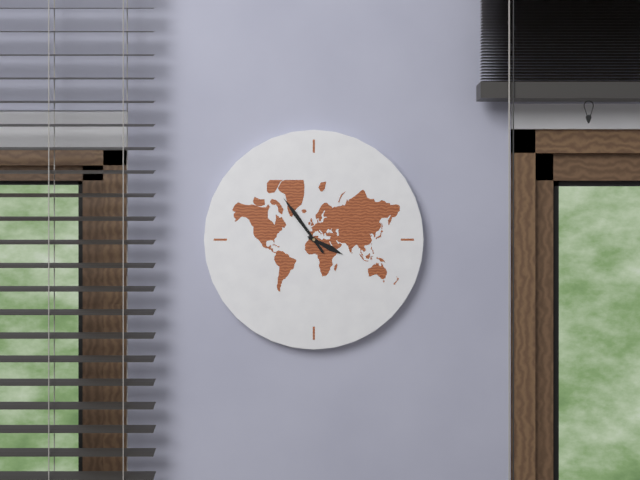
3.54
